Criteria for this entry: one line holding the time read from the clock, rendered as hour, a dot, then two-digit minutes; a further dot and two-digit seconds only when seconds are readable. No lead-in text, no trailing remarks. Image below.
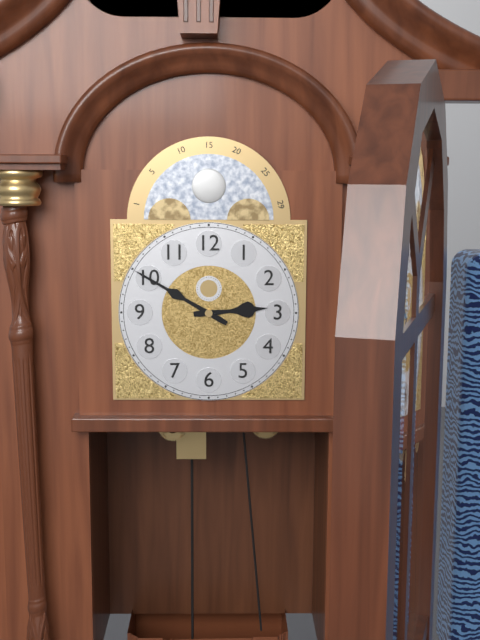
2.50
